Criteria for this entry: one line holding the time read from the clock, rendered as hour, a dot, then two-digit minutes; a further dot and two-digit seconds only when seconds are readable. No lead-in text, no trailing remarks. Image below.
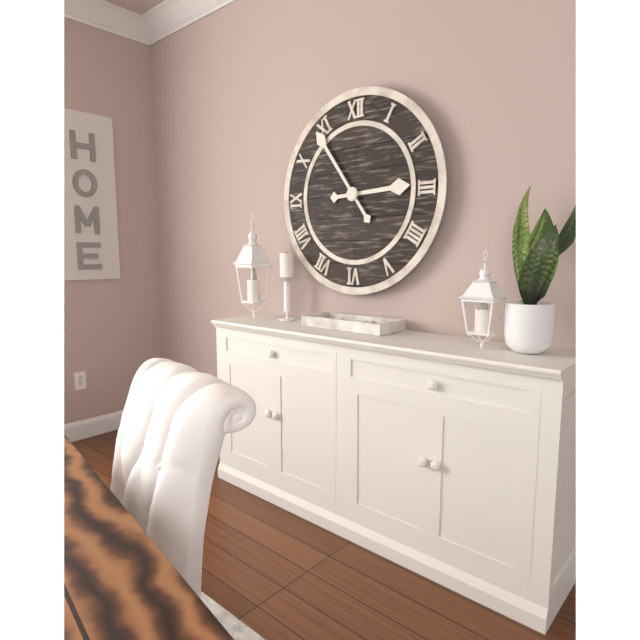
2.54
